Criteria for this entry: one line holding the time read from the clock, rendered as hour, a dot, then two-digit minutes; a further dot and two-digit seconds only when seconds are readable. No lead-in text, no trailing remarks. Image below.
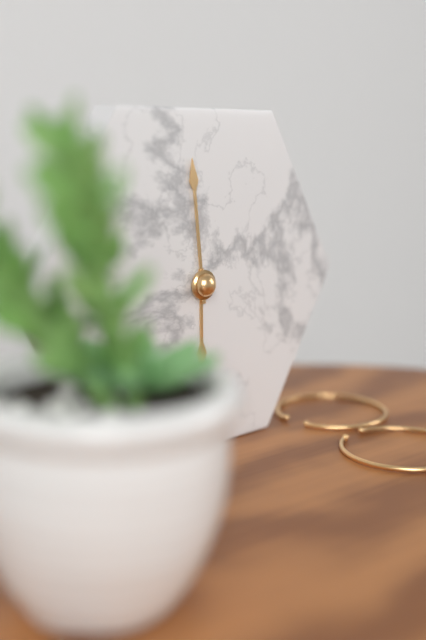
5.59
